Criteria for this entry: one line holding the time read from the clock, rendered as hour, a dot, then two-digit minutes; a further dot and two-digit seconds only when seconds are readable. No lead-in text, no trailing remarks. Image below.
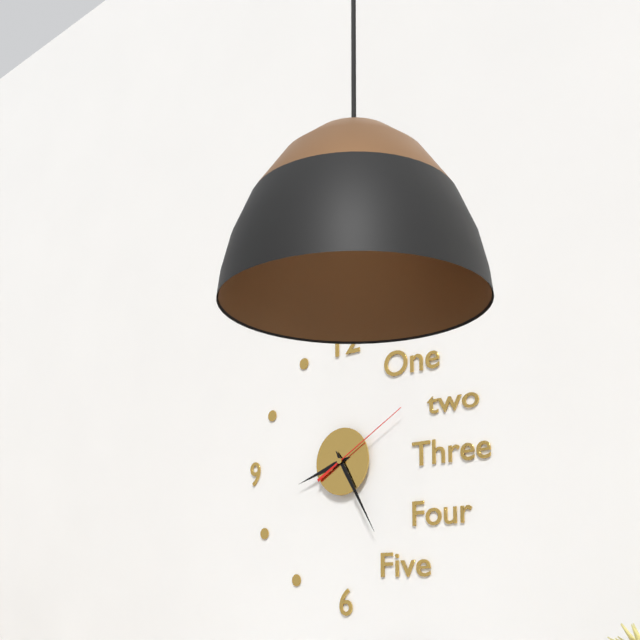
8.25.10
